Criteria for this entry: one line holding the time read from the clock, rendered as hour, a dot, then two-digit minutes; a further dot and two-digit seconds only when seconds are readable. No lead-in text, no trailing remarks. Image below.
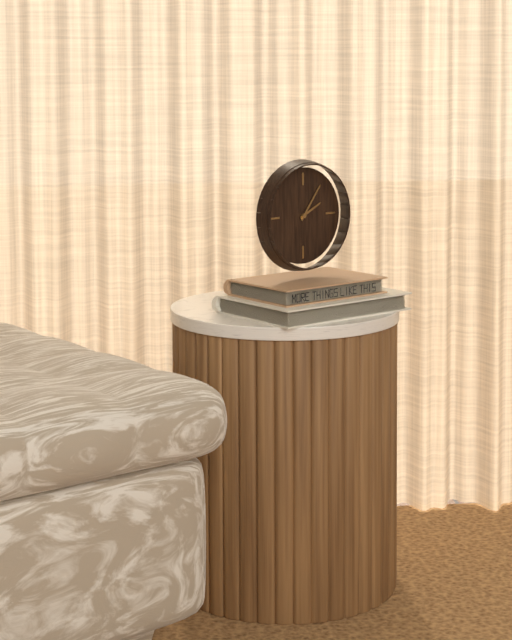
2.06
